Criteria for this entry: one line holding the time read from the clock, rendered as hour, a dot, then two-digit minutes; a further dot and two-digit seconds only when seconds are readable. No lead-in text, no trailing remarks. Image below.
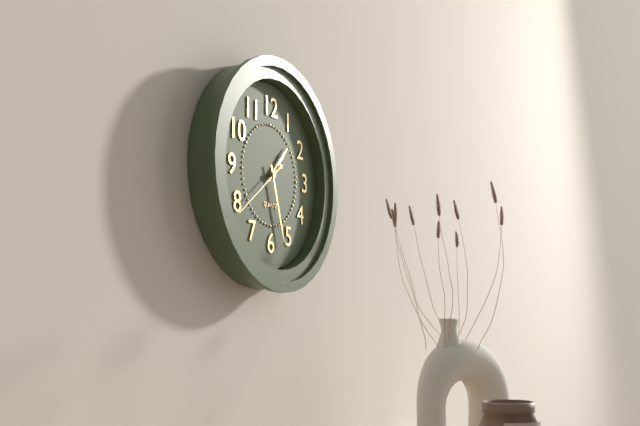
1.27.39
